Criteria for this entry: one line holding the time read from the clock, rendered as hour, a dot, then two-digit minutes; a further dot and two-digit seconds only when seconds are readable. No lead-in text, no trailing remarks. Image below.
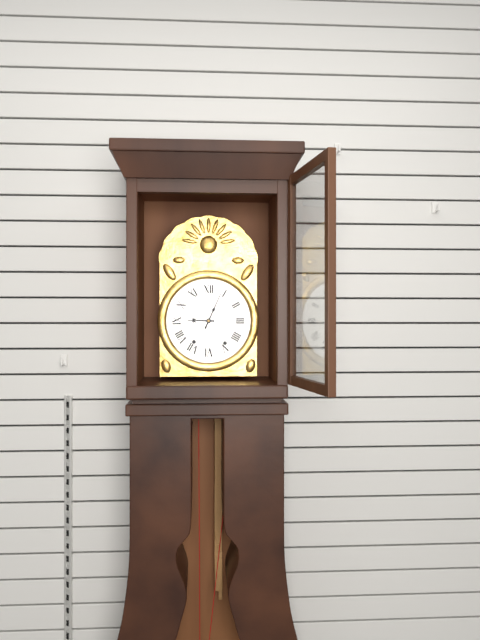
9.04
